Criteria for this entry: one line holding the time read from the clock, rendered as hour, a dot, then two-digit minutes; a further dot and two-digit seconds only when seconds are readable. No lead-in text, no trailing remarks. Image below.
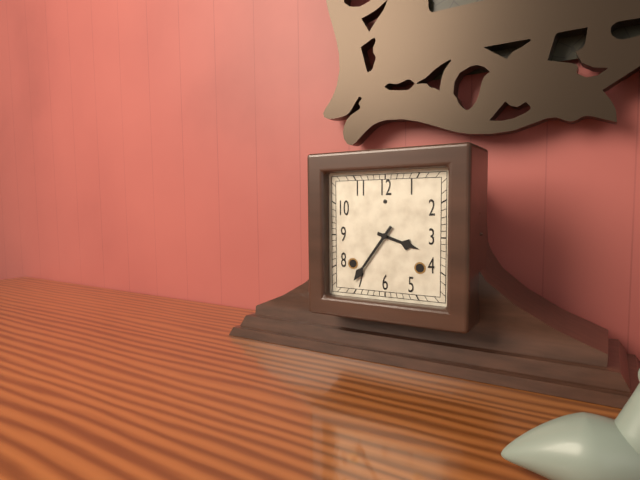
3.36
